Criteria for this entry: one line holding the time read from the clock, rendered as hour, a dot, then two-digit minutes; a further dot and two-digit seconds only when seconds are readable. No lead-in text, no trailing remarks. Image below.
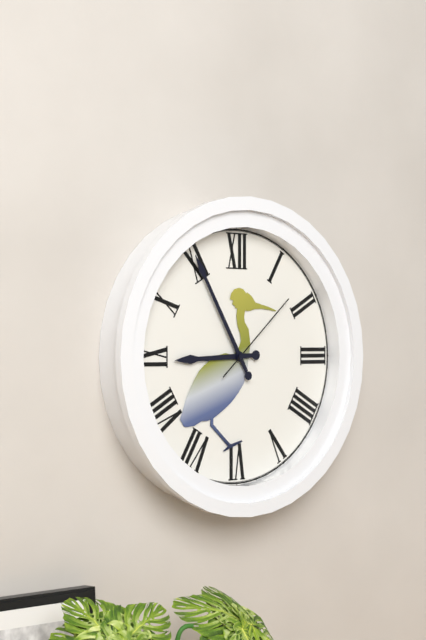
8.55.08
